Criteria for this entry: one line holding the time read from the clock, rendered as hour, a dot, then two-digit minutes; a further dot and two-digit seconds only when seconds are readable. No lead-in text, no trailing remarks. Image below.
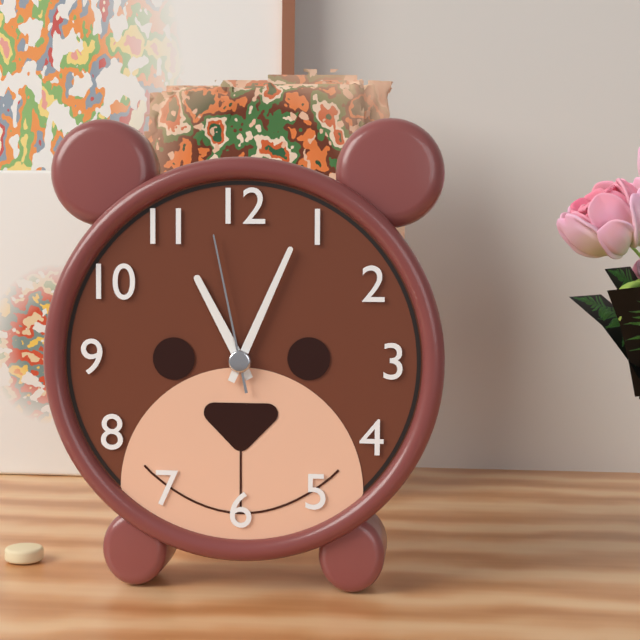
11.04.58
